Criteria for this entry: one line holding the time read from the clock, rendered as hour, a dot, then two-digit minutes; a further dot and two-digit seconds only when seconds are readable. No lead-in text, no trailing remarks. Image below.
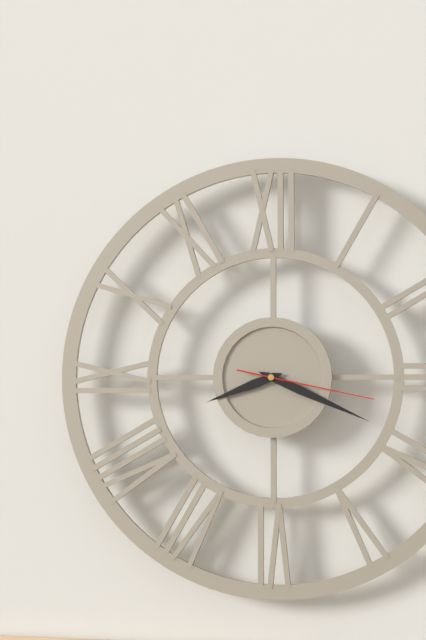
8.19.17
